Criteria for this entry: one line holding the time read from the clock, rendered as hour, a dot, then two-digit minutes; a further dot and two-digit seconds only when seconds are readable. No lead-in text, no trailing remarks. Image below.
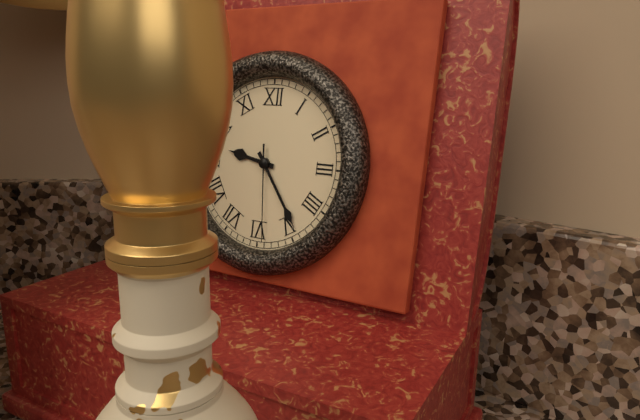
9.24.29
